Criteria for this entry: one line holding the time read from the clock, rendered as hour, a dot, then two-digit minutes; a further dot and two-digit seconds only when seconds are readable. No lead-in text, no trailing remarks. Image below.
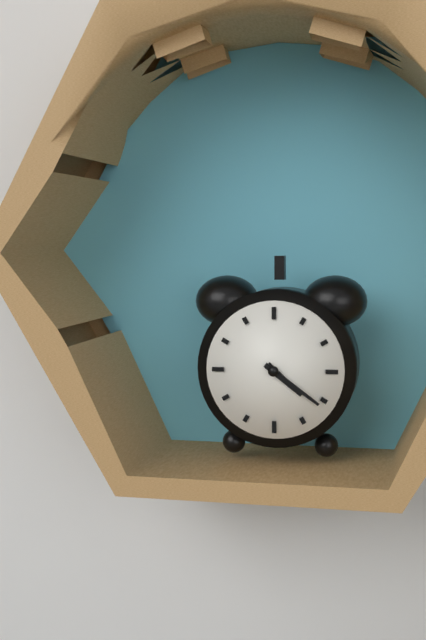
4.21
